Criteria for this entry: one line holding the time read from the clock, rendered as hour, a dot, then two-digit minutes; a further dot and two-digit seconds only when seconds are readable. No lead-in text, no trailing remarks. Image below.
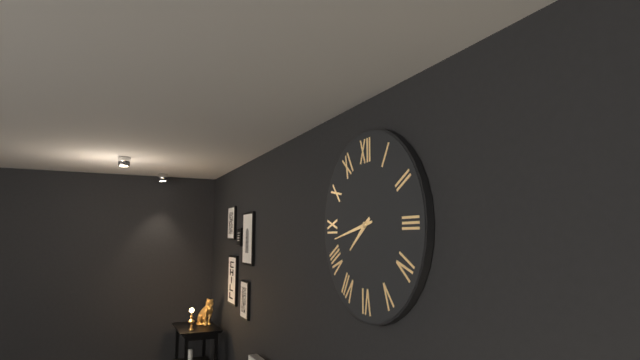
7.43
